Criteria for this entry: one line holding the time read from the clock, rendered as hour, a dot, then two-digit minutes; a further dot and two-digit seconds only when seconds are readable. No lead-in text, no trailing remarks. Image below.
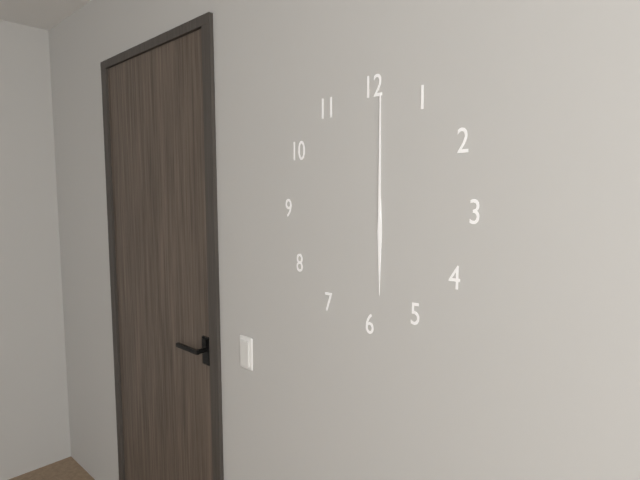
6.00
